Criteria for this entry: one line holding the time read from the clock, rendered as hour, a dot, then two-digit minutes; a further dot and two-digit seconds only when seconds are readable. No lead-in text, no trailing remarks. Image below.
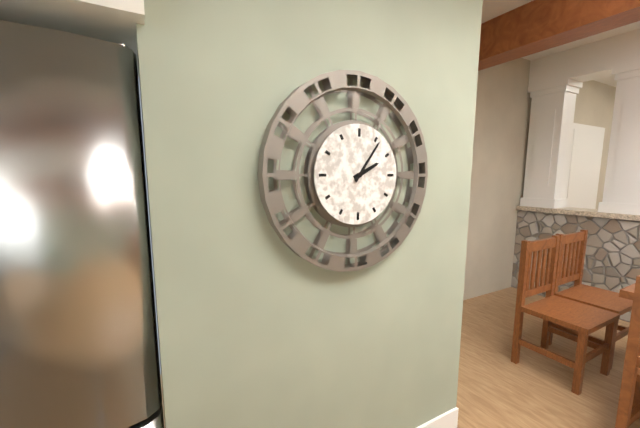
2.06
